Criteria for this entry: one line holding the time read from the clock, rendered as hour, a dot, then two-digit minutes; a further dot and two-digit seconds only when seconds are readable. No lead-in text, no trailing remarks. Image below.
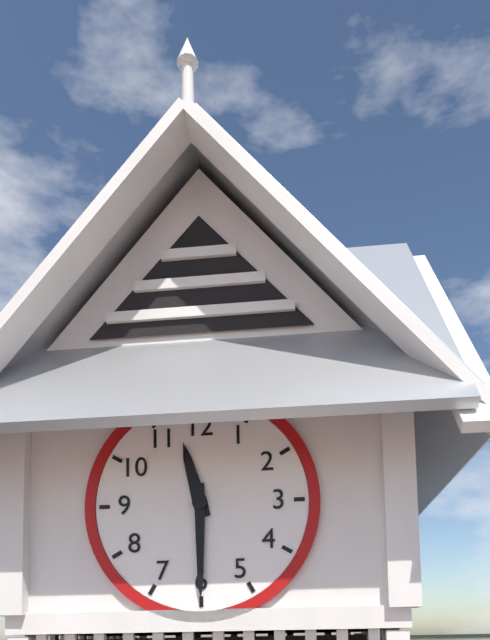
11.30
